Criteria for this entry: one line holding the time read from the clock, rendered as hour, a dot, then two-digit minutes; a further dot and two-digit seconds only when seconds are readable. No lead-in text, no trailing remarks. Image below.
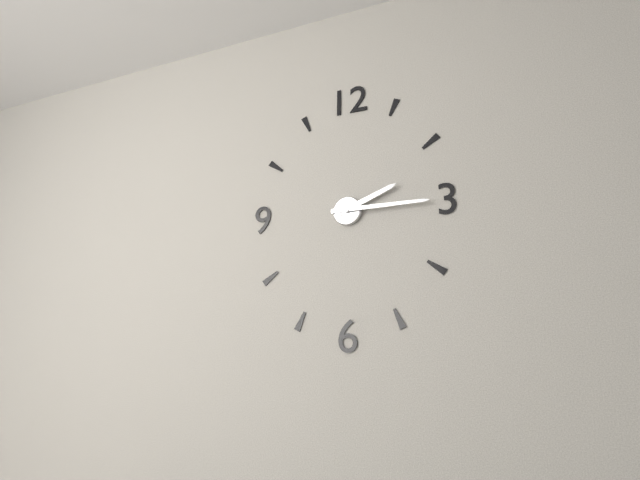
2.15
